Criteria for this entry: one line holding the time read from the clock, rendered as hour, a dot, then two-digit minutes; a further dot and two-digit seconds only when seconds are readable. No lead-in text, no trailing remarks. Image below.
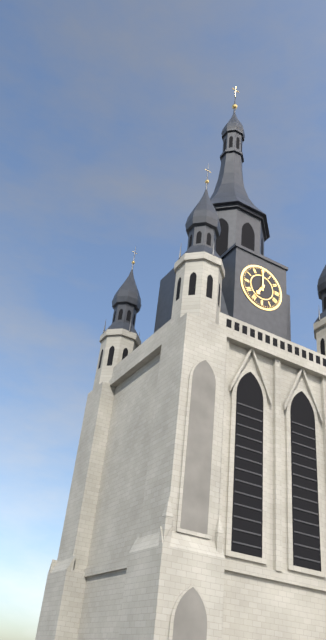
7.00
